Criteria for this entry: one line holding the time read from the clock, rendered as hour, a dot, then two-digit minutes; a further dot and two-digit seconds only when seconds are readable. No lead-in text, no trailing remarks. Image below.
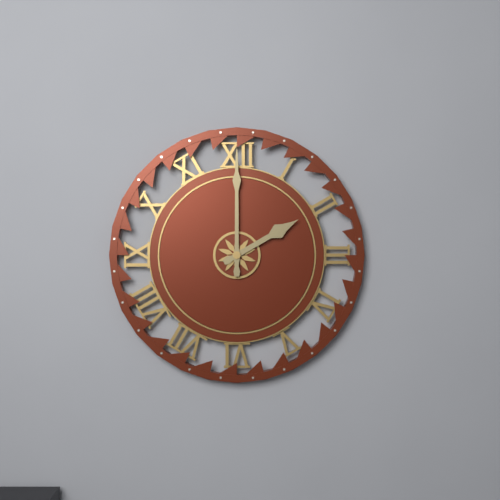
2.00
